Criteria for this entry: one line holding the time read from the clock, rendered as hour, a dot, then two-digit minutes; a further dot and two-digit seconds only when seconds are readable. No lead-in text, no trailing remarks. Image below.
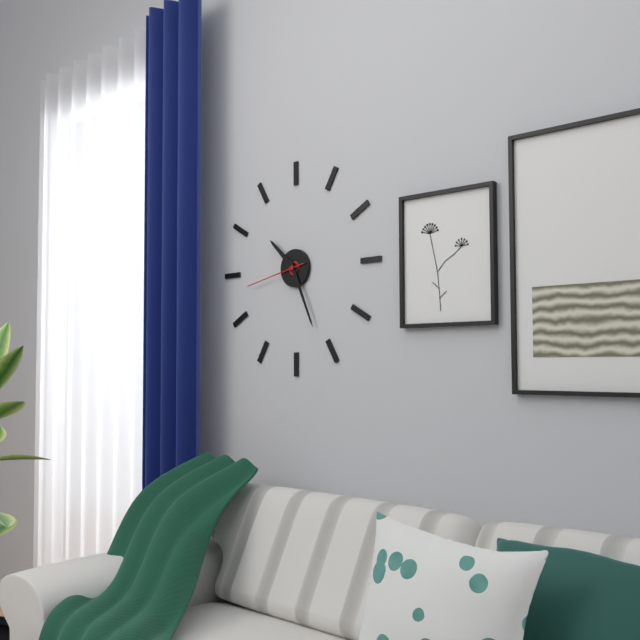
10.26.43
